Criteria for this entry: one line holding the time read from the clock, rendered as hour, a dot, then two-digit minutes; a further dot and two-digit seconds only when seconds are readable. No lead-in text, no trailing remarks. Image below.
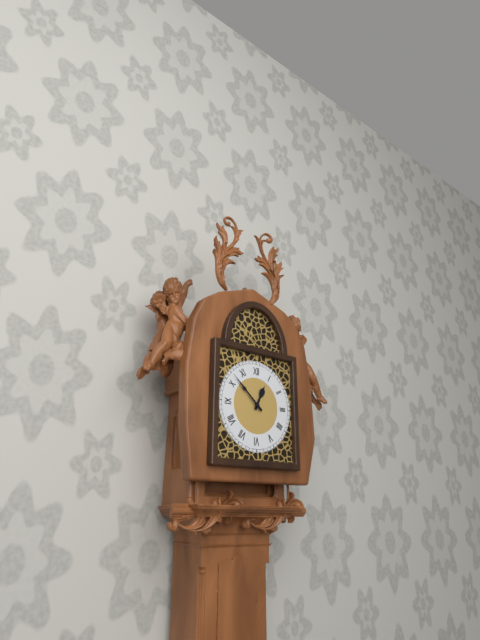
12.52
